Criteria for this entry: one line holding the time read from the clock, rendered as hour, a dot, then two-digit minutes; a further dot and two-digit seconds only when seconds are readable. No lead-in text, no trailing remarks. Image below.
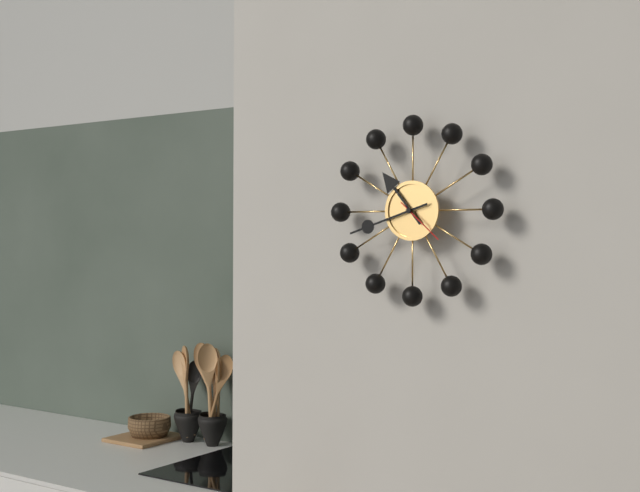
10.42.22
